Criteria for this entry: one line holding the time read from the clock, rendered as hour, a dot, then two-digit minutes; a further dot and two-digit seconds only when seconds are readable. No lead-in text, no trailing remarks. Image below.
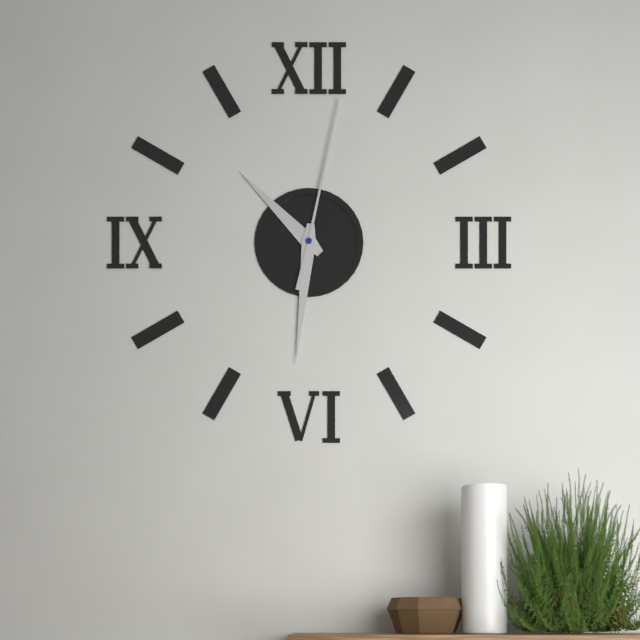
10.31.02
